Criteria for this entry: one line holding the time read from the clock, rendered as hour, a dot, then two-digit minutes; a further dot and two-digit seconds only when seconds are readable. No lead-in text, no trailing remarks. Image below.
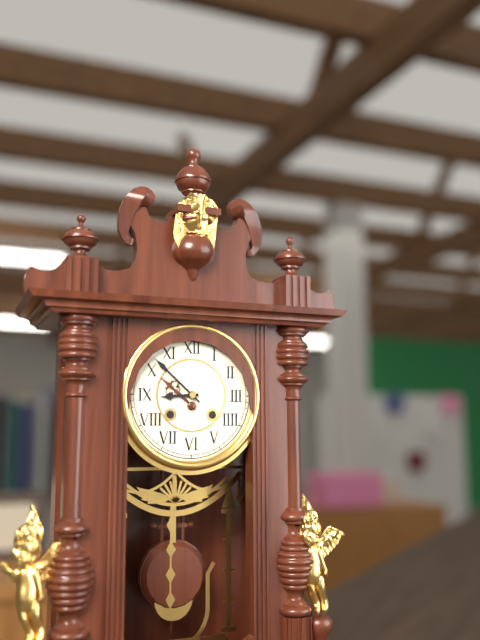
8.52
